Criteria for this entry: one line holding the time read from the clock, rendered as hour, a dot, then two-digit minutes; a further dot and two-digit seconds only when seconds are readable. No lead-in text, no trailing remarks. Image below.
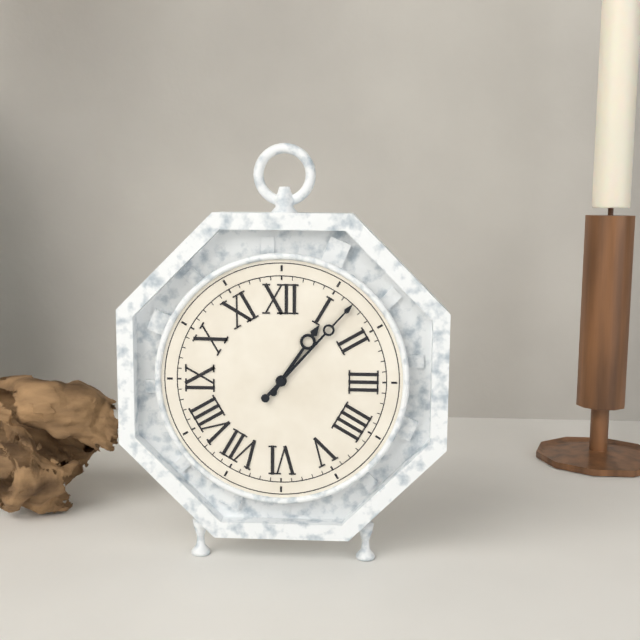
1.07
